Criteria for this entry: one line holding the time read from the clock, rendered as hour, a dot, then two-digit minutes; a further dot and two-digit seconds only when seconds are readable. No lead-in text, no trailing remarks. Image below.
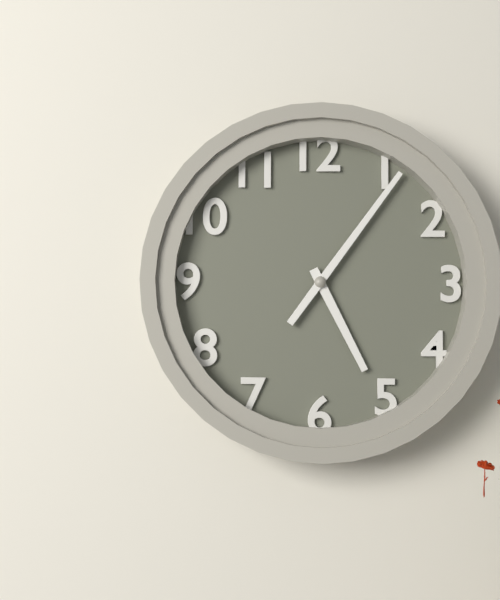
5.06
